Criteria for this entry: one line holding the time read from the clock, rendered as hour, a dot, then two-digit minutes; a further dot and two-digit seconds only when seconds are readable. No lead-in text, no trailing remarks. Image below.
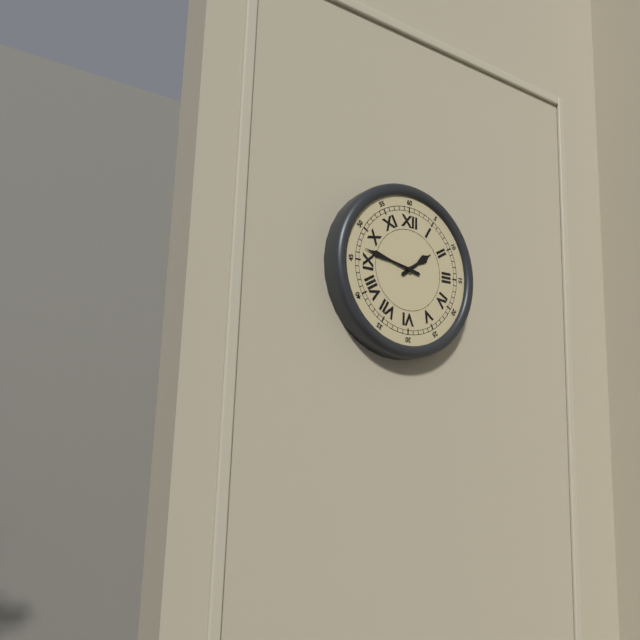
1.47
